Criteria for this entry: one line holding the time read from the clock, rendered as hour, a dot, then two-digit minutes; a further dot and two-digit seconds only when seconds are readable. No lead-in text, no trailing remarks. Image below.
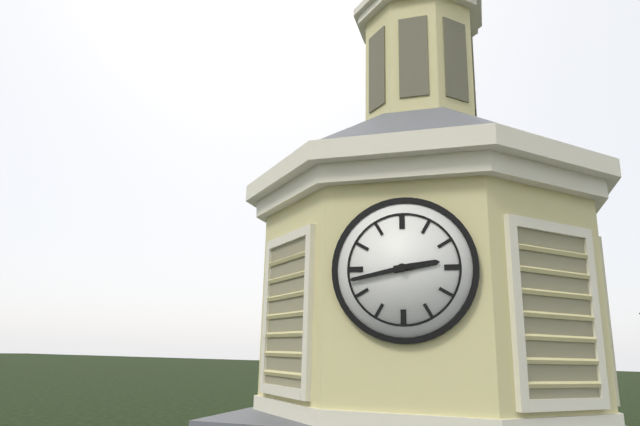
2.43
